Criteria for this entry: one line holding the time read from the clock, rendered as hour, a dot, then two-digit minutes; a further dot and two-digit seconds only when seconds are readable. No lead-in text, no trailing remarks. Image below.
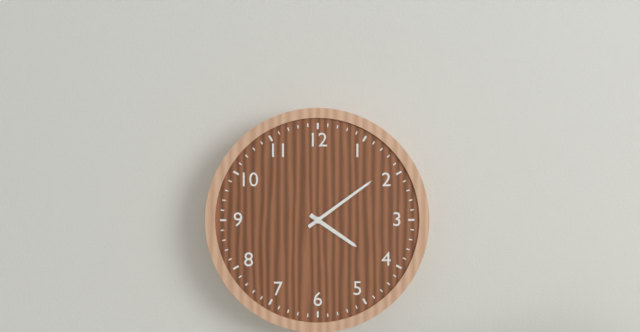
4.09
